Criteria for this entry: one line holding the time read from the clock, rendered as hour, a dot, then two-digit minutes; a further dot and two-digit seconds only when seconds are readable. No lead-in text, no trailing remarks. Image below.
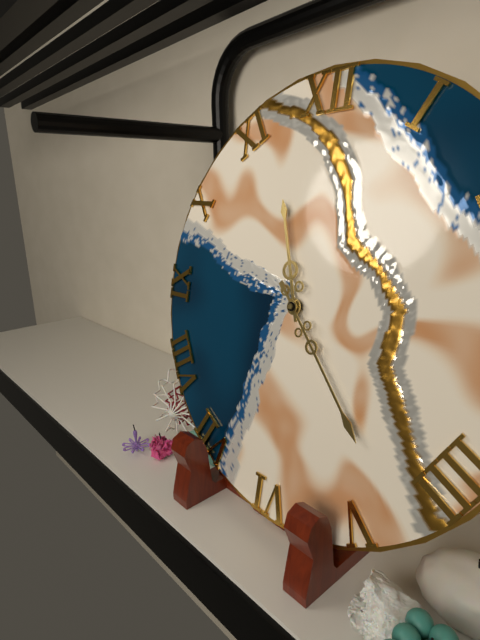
11.23
